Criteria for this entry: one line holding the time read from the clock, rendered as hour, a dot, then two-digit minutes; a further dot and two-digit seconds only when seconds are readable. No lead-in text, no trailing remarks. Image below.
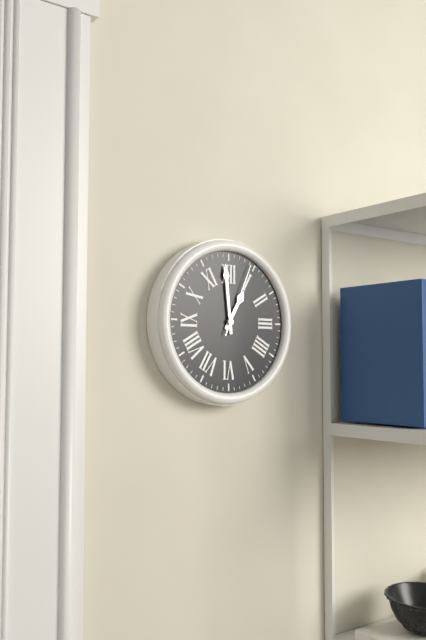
12.59.04
